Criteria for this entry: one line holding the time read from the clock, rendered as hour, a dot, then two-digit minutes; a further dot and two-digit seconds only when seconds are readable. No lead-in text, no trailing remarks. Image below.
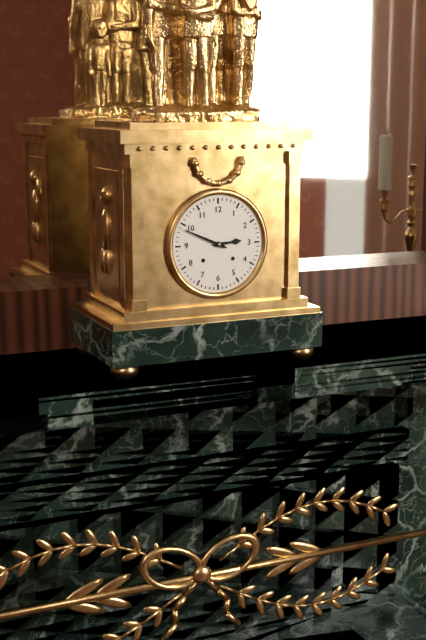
2.49
